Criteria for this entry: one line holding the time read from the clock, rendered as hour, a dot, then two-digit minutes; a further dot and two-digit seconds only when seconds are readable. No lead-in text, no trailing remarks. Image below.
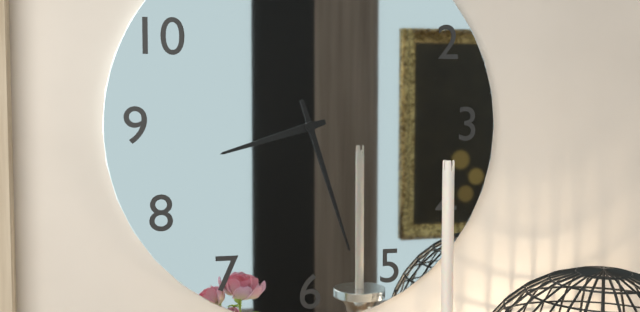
8.27
